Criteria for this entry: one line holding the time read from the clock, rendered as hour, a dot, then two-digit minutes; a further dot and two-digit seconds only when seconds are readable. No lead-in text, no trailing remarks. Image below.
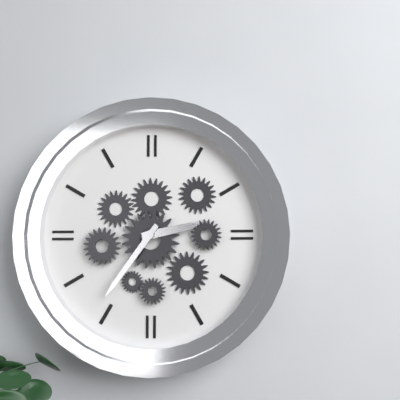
2.36
